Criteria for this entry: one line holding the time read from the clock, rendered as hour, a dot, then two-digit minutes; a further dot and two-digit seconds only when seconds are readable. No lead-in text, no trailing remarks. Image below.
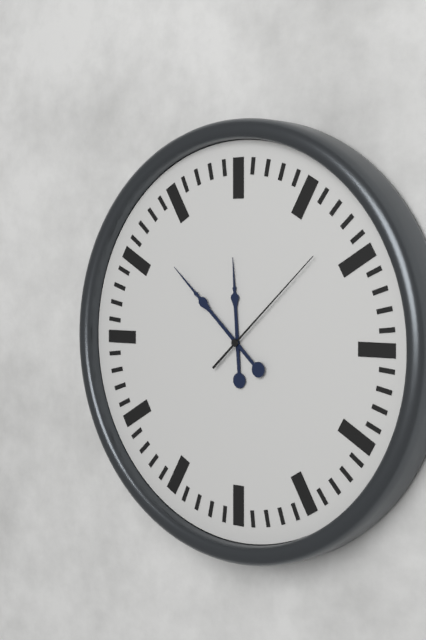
11.52.08
